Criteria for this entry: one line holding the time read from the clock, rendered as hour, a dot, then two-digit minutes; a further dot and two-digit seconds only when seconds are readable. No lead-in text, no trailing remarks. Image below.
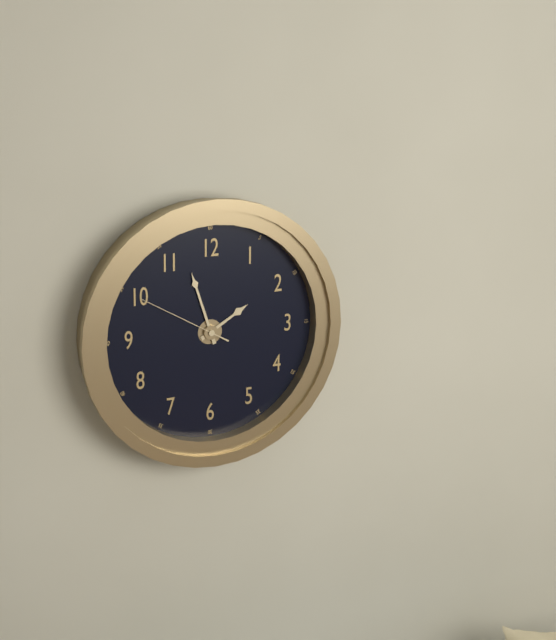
1.57.50
